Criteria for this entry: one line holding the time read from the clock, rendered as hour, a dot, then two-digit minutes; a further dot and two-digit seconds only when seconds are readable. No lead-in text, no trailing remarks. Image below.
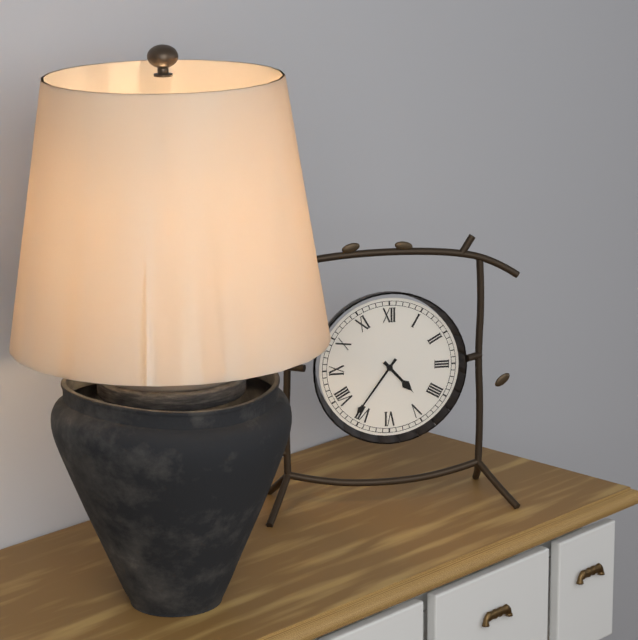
4.36
